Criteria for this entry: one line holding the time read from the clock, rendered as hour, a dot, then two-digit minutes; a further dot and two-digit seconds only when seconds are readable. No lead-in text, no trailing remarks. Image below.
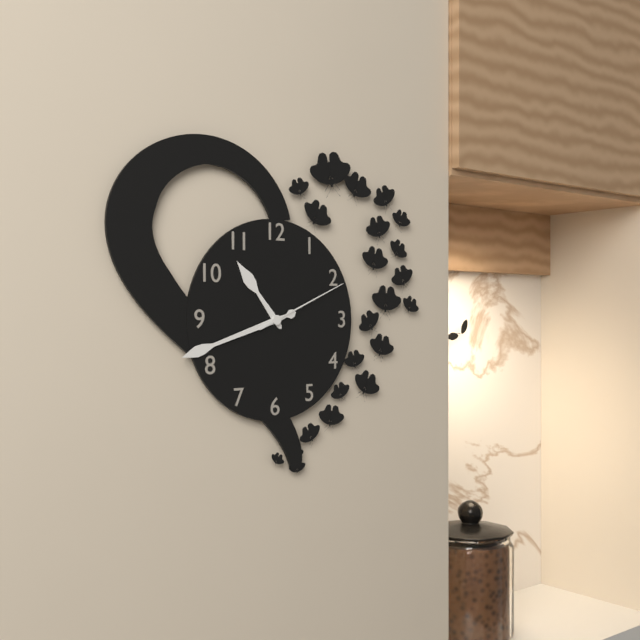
10.42.11
